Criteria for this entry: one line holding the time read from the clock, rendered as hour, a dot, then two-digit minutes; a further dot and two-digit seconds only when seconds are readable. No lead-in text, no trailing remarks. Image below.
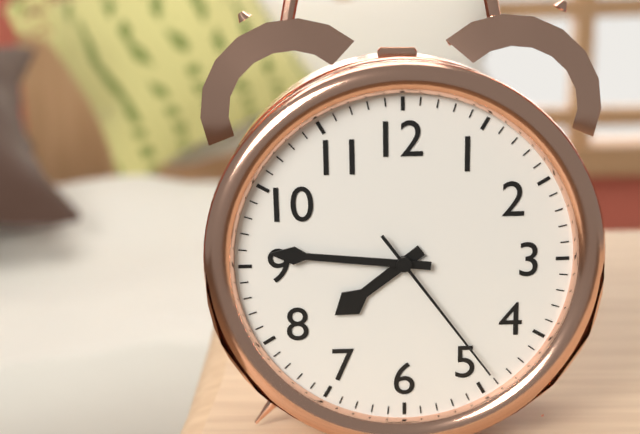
7.46.24
